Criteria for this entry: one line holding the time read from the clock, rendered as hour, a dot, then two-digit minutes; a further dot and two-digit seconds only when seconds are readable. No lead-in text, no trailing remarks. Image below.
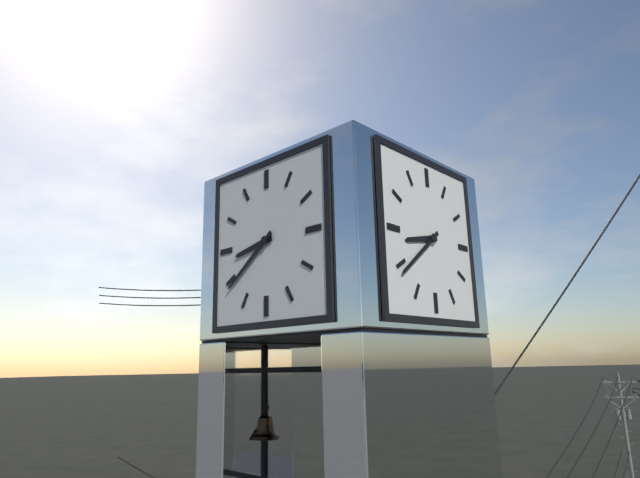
8.39
